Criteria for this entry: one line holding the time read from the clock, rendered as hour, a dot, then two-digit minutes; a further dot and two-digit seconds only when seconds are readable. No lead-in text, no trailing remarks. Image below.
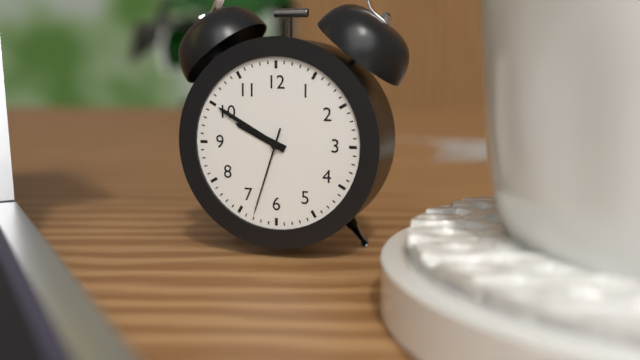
9.50.33
